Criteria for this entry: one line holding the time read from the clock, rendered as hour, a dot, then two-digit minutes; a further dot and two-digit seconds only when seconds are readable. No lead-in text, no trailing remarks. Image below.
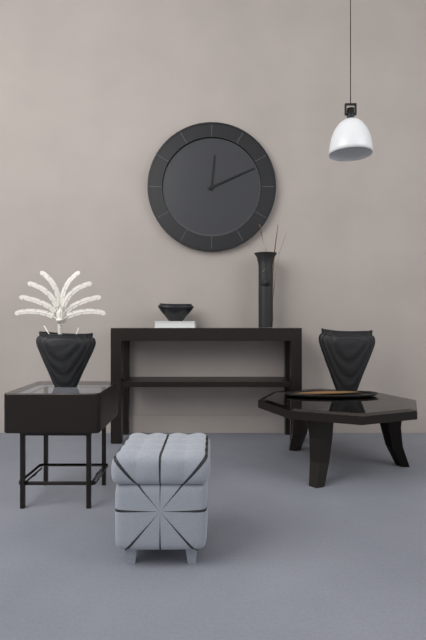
12.11
